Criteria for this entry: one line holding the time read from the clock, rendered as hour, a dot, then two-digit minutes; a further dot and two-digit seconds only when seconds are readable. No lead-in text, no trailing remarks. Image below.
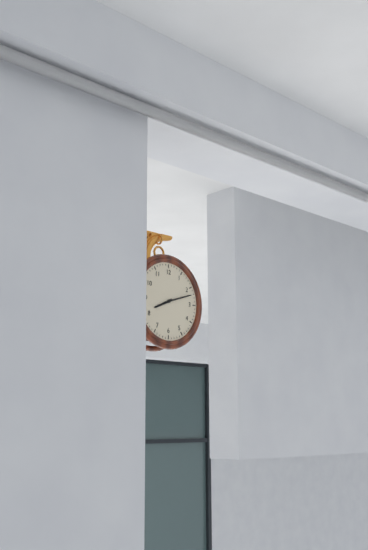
8.12
